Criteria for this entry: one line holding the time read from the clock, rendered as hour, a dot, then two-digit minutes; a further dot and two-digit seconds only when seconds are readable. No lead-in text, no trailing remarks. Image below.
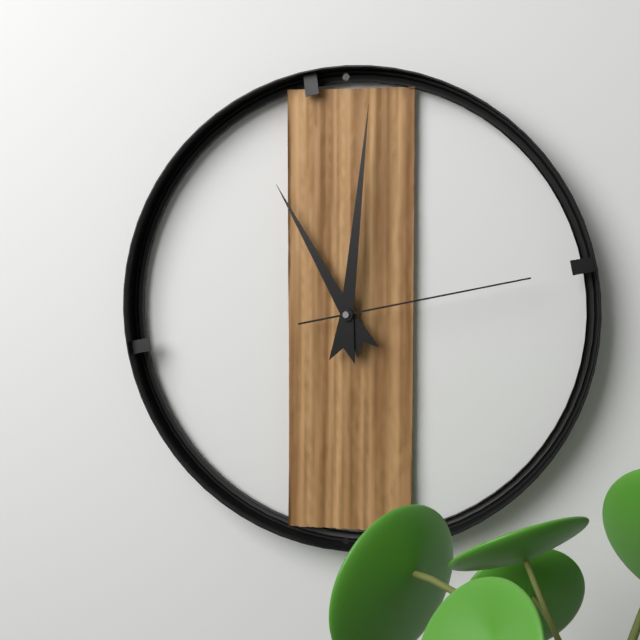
11.01.13
